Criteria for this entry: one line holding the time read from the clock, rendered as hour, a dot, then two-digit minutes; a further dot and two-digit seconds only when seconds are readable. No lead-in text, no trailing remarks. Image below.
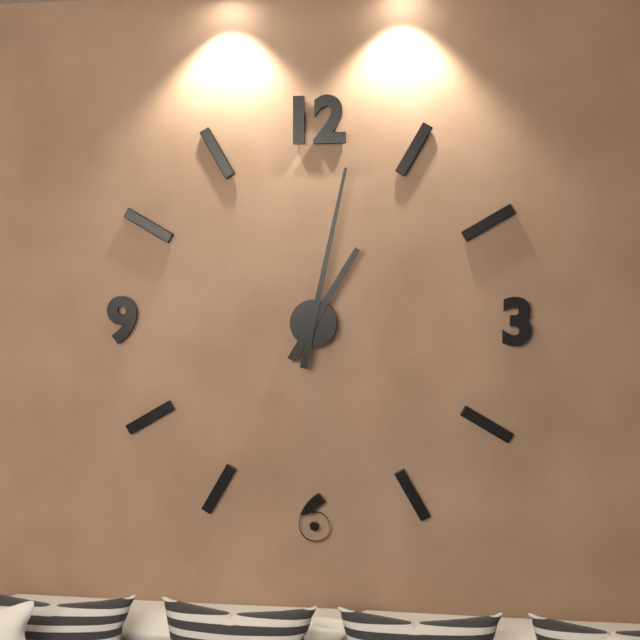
1.02
